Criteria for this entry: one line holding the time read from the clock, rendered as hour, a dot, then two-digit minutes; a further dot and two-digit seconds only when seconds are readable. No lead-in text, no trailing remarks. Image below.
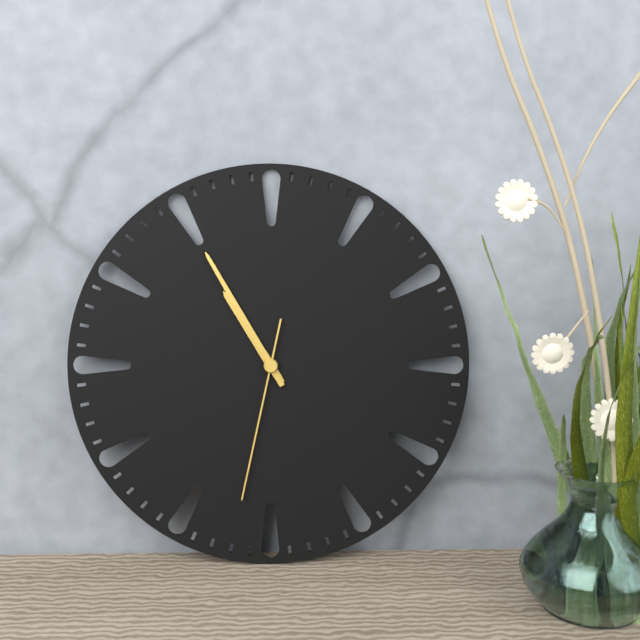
10.55.32
